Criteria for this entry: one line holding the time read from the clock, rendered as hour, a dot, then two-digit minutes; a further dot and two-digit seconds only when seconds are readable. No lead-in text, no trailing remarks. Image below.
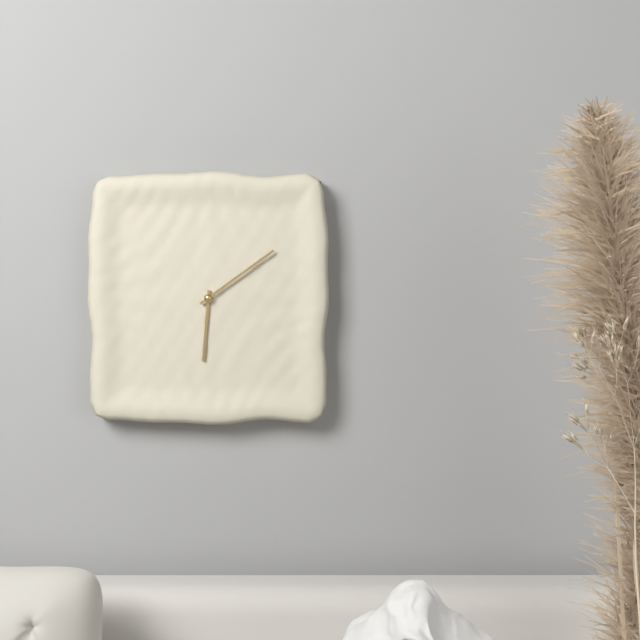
6.09
